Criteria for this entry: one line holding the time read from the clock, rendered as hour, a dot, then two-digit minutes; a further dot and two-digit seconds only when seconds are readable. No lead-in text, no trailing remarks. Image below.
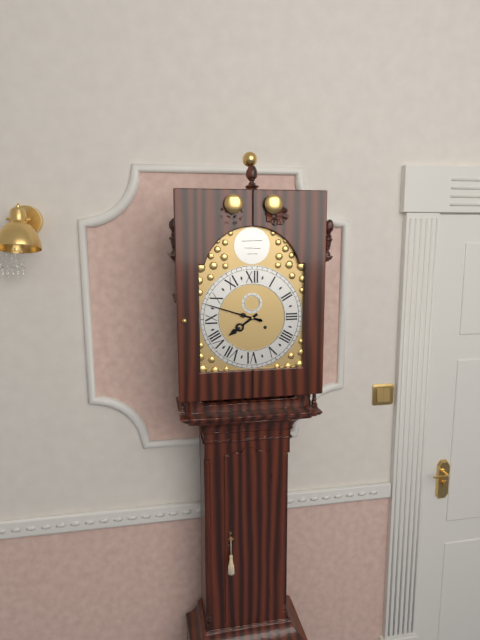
7.48
